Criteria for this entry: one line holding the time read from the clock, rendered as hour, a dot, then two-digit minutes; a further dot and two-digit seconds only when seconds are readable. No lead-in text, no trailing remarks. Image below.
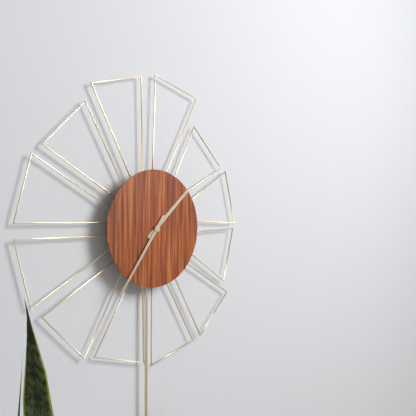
1.36
